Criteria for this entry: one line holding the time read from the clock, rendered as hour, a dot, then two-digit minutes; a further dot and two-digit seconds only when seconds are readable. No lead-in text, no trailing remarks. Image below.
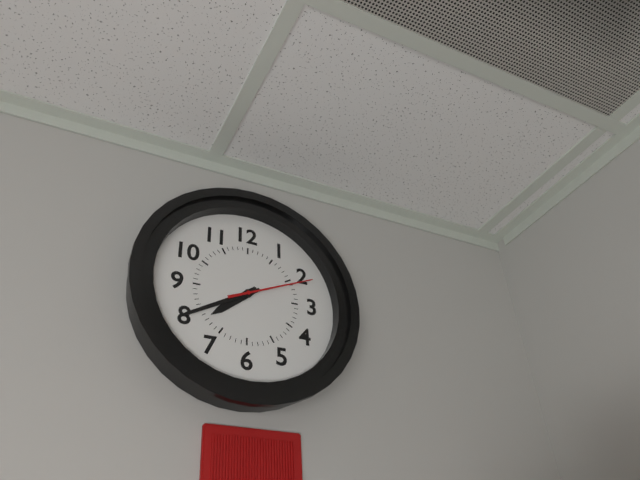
7.40.11
